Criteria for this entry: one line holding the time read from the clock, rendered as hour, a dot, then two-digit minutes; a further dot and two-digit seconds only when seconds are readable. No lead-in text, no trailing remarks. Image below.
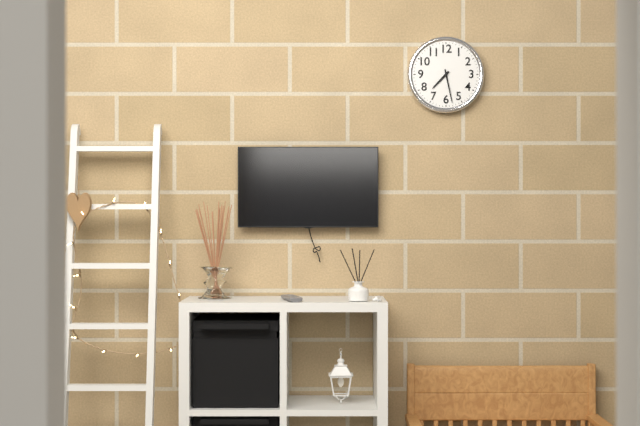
7.28
